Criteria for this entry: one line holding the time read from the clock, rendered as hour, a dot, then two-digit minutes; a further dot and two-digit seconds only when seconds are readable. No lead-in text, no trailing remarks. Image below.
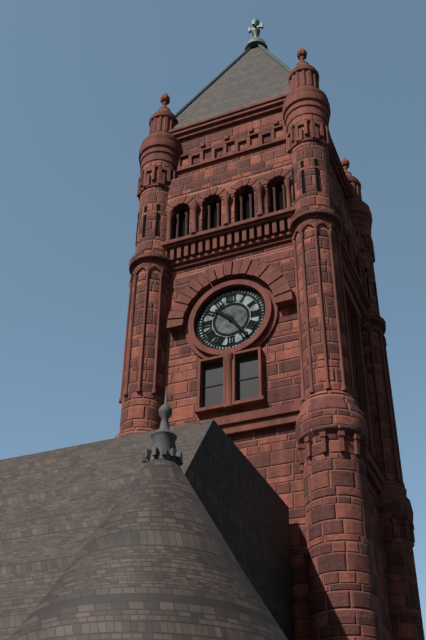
10.24
